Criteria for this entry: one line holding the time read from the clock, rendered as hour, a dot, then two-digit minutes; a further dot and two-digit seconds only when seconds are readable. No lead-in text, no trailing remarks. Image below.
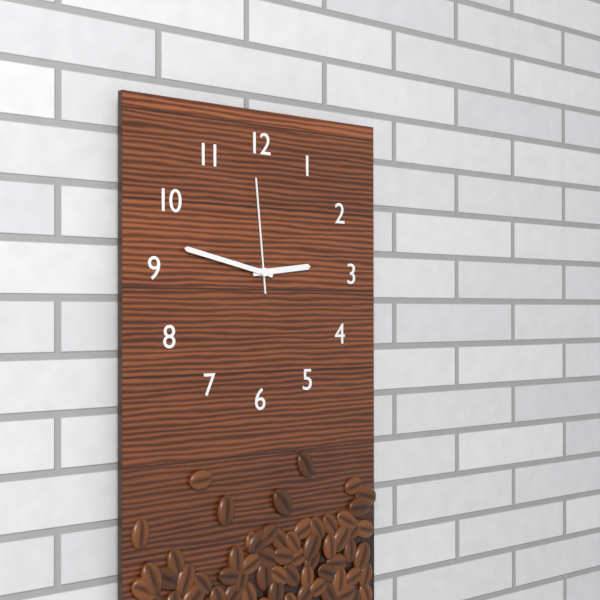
2.47.59
